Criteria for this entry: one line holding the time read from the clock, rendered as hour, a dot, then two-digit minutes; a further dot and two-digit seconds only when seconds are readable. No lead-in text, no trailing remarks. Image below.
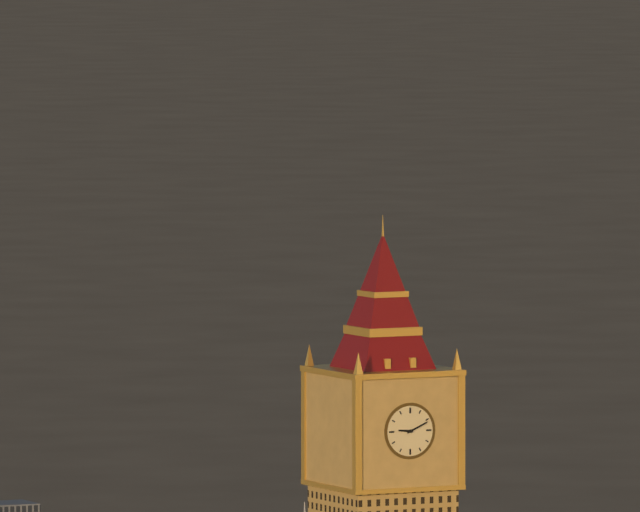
9.11
